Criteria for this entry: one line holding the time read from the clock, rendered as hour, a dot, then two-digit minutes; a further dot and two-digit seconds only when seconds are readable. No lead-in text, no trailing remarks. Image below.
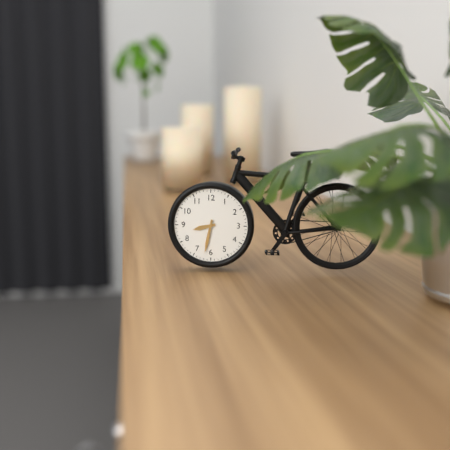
8.32
